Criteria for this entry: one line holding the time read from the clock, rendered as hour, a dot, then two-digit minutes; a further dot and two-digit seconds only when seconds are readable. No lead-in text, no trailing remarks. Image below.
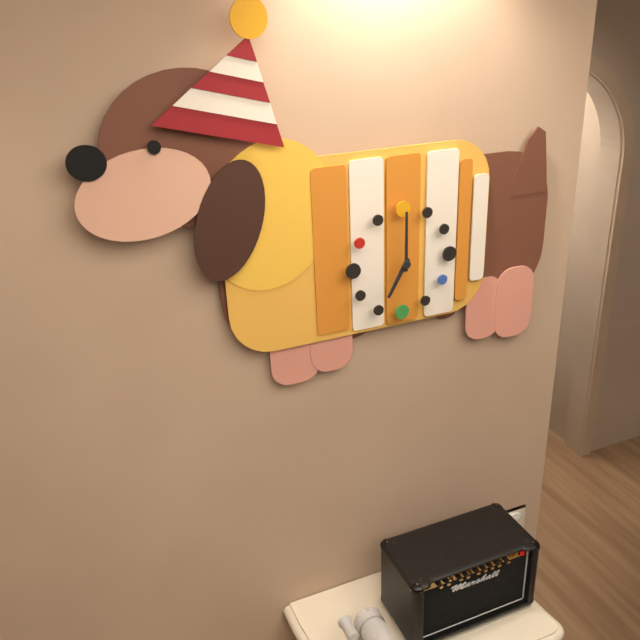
7.00
